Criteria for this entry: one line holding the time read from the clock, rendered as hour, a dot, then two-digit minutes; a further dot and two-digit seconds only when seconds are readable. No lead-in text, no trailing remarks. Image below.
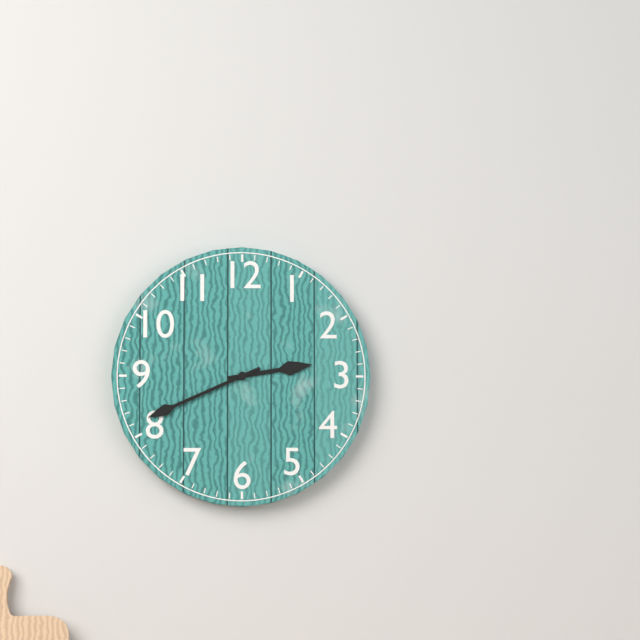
2.41
